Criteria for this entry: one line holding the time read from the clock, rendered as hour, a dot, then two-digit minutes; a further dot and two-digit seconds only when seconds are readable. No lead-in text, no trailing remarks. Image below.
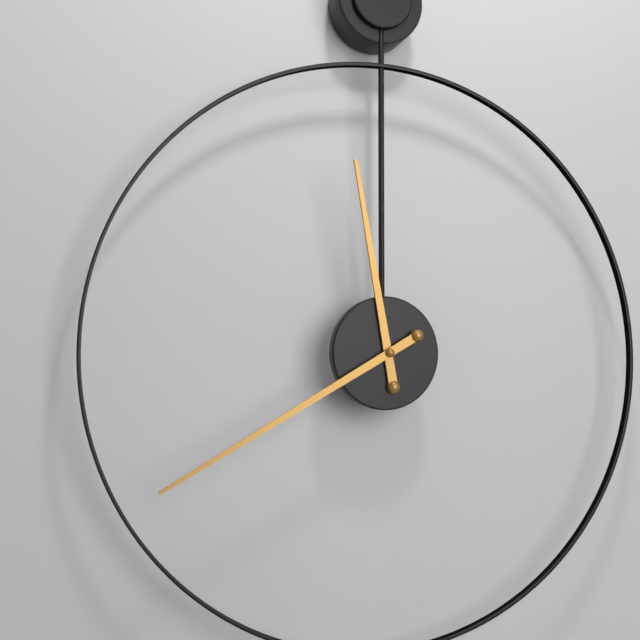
11.40
